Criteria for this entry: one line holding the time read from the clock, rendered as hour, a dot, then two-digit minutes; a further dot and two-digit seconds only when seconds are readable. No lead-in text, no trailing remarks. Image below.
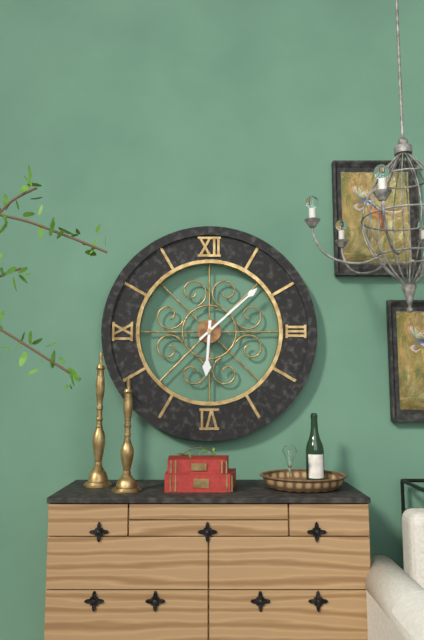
6.08
